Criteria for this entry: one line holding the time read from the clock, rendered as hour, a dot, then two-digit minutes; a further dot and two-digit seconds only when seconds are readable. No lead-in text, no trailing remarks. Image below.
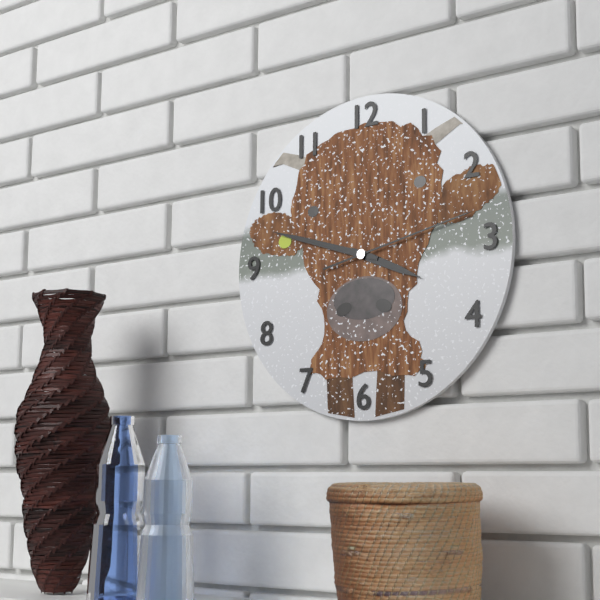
3.48.13
